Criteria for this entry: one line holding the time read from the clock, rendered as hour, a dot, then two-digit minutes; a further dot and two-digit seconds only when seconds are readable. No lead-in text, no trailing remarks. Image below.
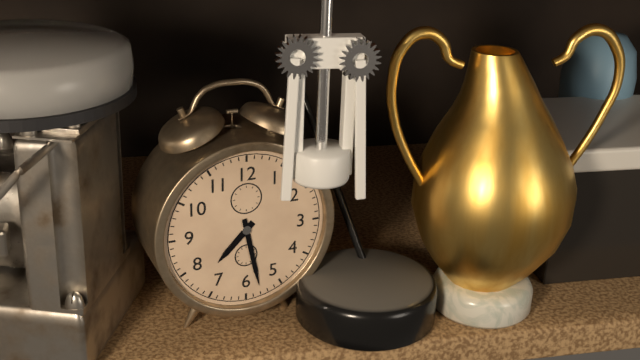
7.28
